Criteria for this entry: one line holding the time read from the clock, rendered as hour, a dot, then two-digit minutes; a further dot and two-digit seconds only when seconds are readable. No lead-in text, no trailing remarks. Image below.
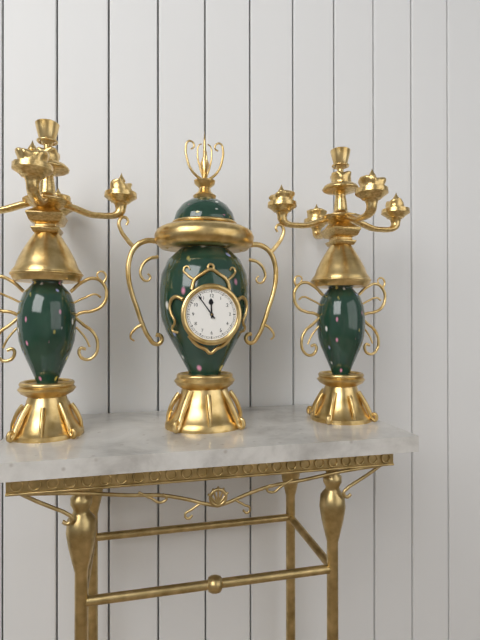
11.54
